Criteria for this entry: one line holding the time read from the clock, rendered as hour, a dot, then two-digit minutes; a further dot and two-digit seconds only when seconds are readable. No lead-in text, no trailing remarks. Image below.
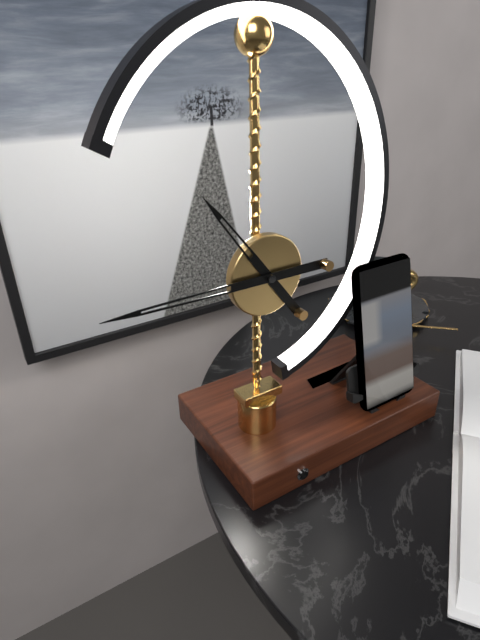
10.45
